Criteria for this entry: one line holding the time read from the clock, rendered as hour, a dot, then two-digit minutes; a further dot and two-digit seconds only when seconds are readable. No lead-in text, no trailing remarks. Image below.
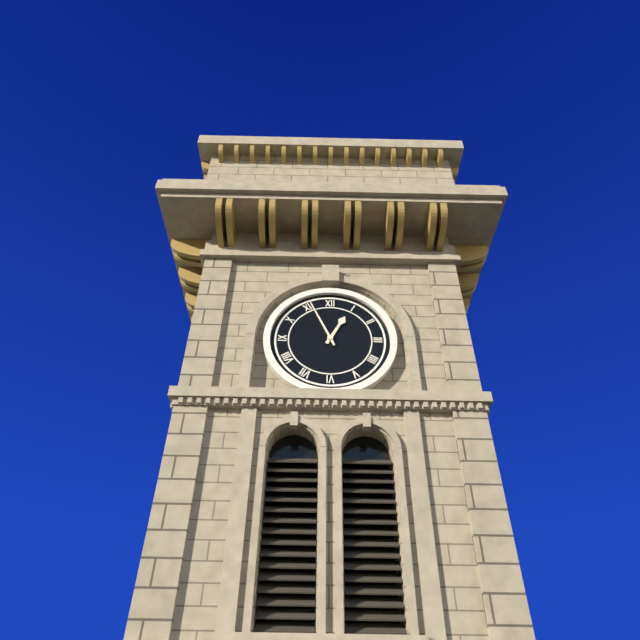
12.56
